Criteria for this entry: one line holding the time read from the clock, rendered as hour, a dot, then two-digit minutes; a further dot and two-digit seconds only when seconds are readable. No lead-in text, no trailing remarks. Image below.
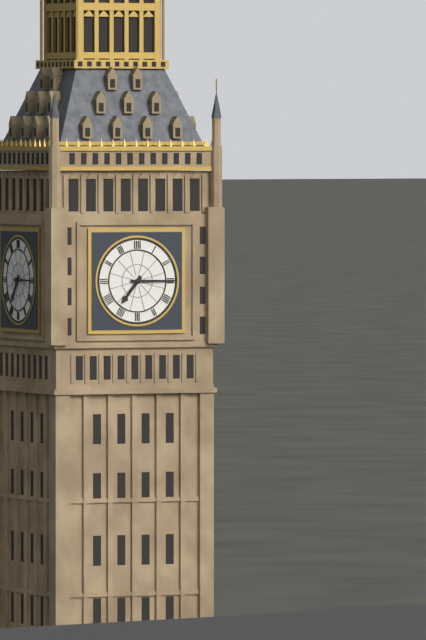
7.15
